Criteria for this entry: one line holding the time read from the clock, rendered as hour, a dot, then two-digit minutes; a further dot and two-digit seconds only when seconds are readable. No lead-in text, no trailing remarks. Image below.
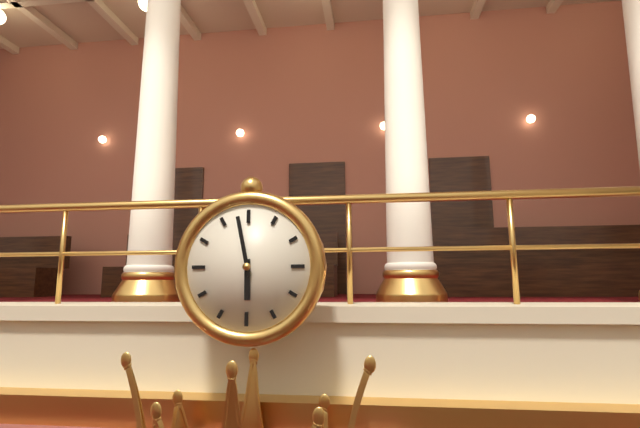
5.58
